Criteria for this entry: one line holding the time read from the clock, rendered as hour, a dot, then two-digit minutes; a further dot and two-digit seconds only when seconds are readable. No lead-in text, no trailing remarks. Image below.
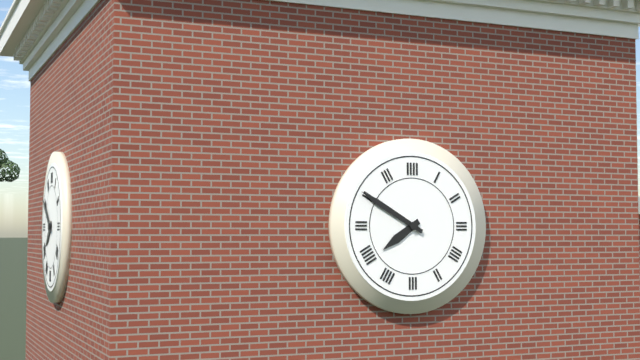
7.50
